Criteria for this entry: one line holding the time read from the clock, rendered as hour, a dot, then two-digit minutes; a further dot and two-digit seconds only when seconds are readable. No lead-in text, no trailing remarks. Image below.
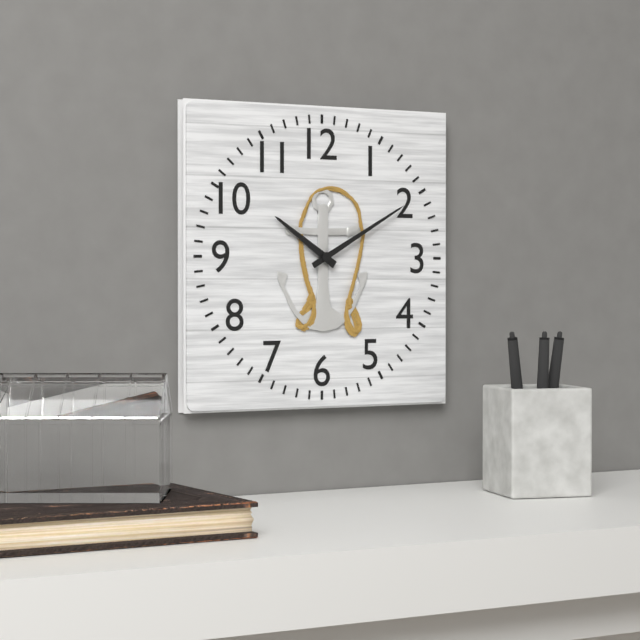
10.10
